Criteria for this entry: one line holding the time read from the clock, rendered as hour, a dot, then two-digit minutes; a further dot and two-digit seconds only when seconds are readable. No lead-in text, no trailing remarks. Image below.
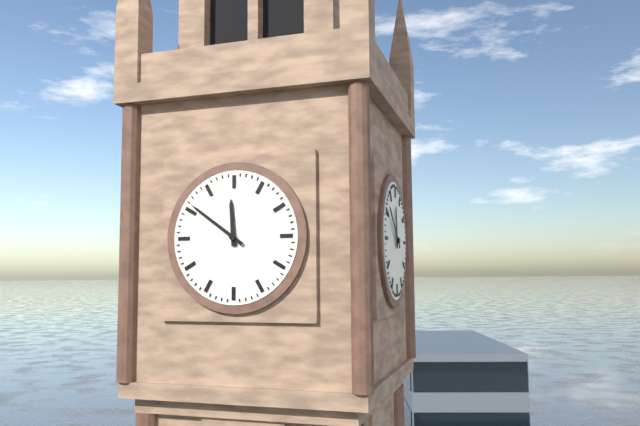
11.51
